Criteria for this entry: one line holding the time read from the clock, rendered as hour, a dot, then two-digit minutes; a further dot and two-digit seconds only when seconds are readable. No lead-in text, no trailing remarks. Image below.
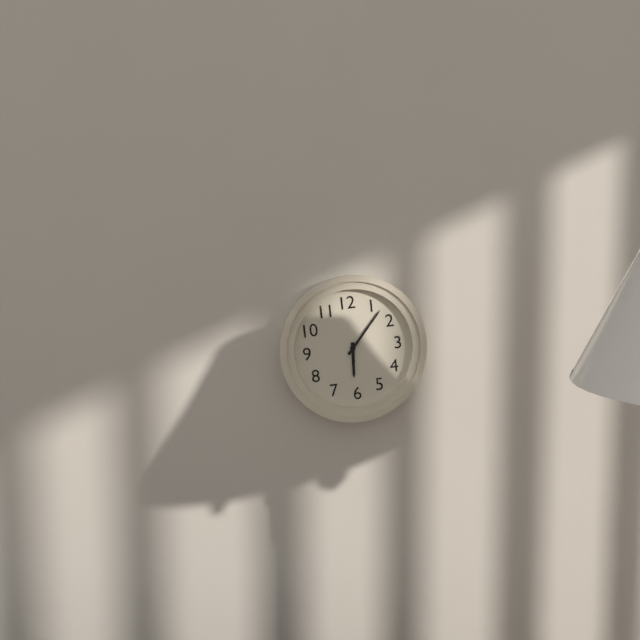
6.07
